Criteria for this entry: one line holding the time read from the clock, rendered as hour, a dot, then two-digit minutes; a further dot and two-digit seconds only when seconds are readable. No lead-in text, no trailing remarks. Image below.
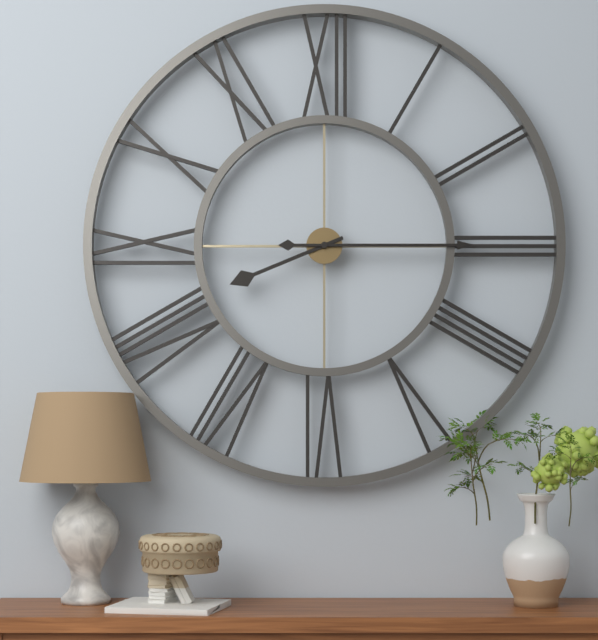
8.15
